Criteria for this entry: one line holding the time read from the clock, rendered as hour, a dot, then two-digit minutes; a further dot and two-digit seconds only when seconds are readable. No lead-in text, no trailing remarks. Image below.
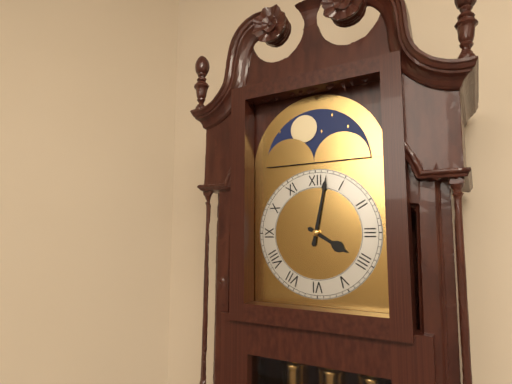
4.02
